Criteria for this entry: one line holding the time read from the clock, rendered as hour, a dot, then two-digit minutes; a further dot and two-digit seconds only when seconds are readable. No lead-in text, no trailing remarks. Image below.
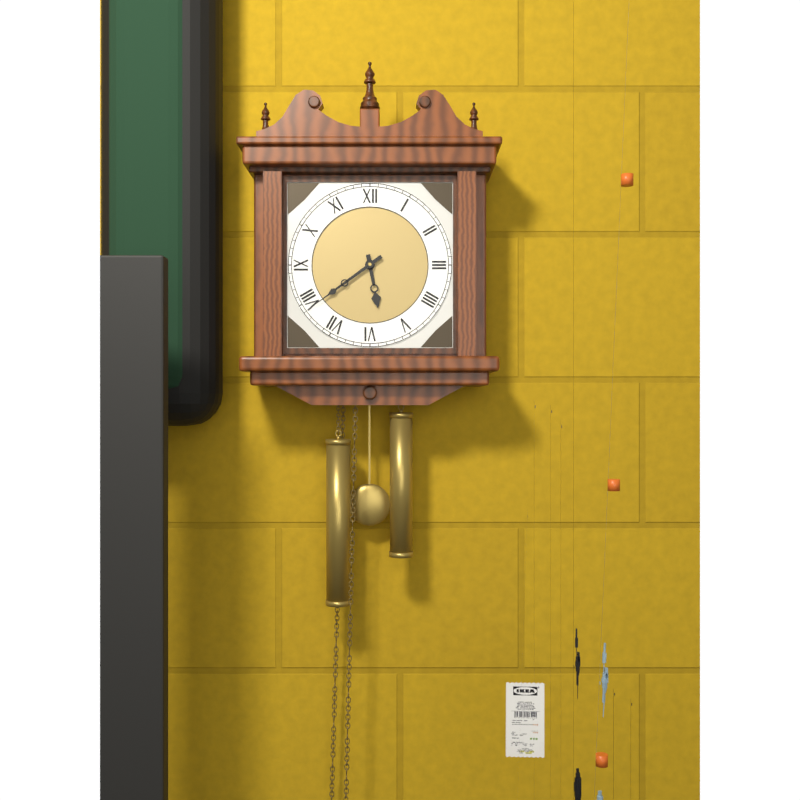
5.39
